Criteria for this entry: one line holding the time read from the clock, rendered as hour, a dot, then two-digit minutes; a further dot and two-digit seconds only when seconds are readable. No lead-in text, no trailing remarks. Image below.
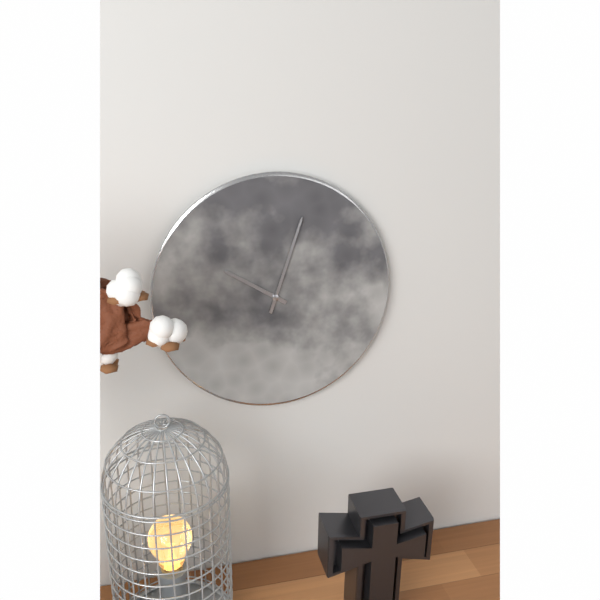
10.03
